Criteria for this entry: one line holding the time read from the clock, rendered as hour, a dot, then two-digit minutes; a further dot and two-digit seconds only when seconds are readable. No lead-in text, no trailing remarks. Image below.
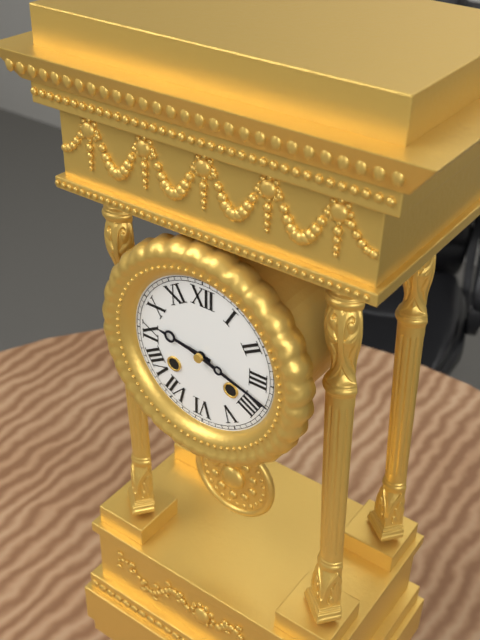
9.18
